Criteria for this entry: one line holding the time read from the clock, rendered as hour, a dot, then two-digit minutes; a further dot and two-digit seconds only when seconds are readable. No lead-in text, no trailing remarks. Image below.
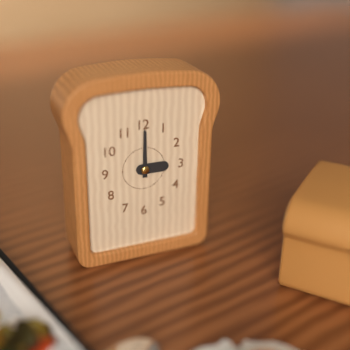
3.00
